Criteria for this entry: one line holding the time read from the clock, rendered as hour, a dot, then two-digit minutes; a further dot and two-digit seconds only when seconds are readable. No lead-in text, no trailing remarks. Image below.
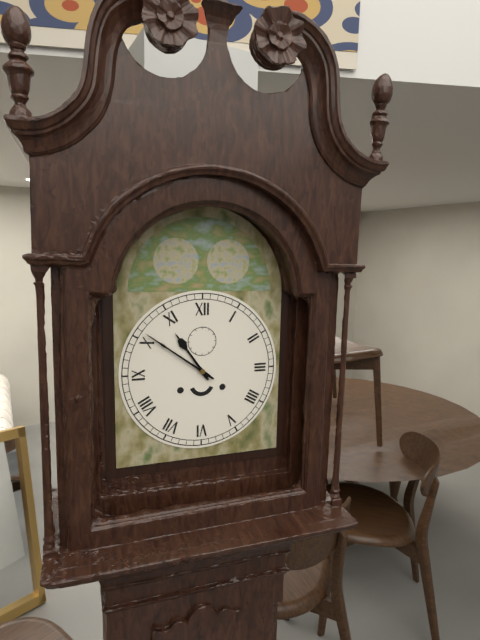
10.51
